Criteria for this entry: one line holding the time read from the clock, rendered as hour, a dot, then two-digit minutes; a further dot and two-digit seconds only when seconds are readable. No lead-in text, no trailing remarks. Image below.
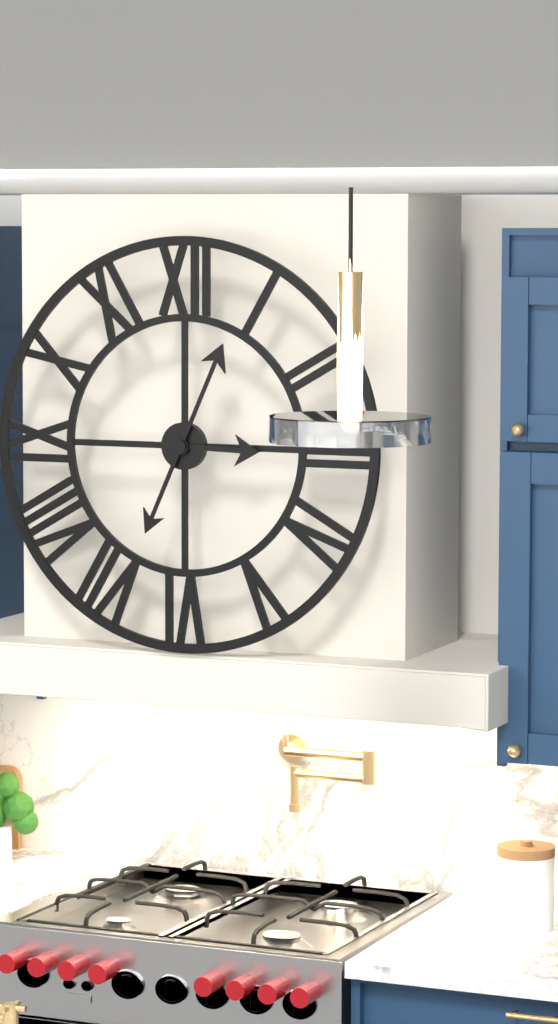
3.04
